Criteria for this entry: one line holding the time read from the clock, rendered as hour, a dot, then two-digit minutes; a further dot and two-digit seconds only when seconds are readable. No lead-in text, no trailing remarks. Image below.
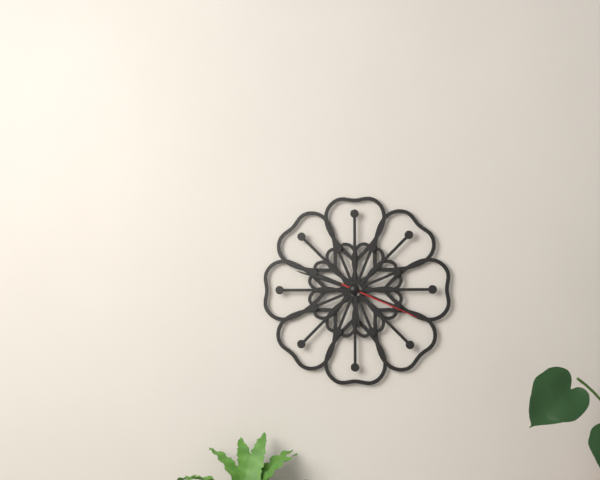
5.48.19
